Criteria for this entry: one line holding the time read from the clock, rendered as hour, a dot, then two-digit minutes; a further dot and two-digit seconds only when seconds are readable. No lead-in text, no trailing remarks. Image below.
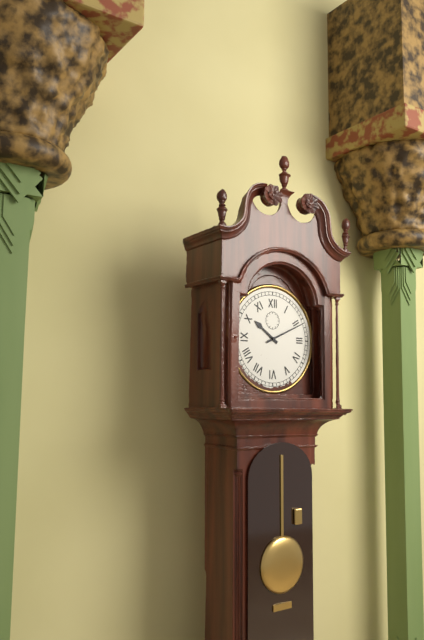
10.11
